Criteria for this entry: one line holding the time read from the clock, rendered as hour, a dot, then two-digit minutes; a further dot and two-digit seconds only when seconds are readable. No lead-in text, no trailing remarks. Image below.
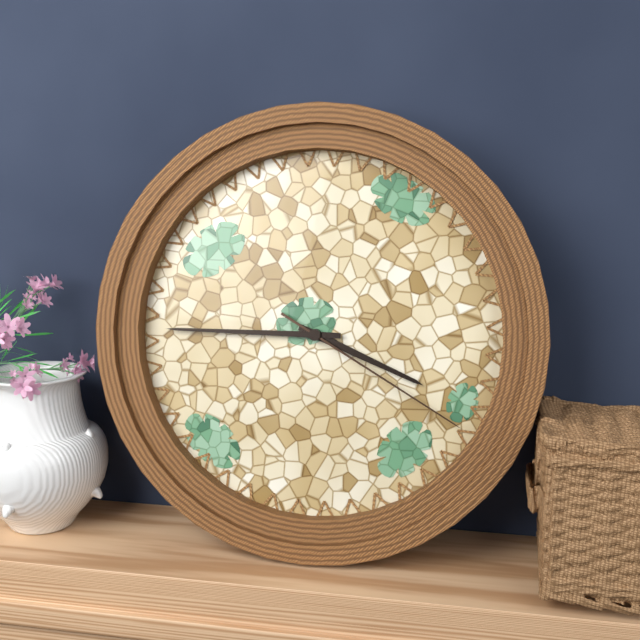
3.45.20
